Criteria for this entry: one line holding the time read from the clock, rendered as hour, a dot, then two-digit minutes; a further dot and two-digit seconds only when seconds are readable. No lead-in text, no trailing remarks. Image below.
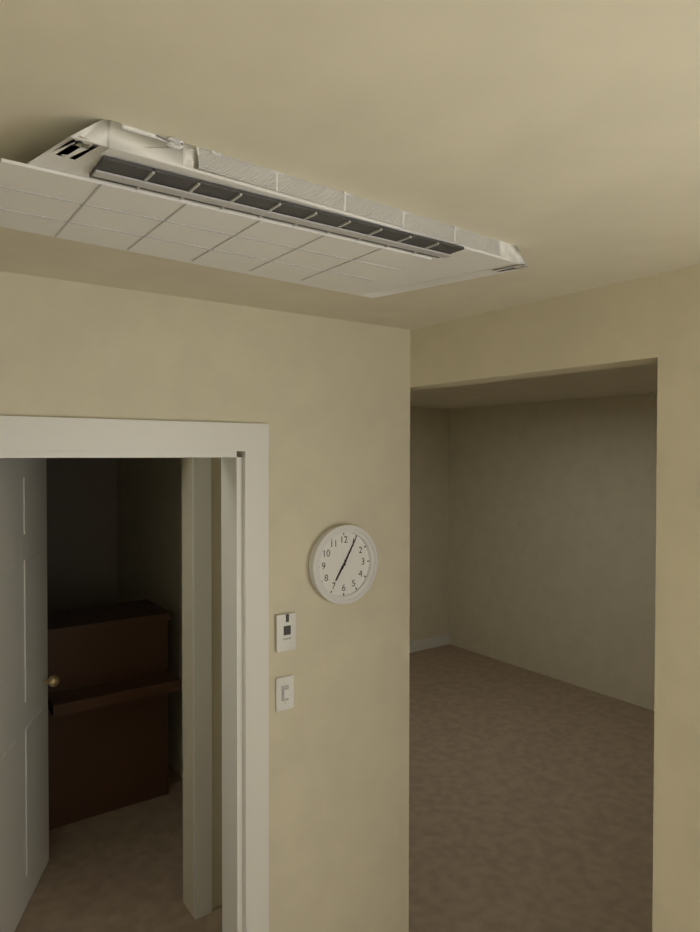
7.05
